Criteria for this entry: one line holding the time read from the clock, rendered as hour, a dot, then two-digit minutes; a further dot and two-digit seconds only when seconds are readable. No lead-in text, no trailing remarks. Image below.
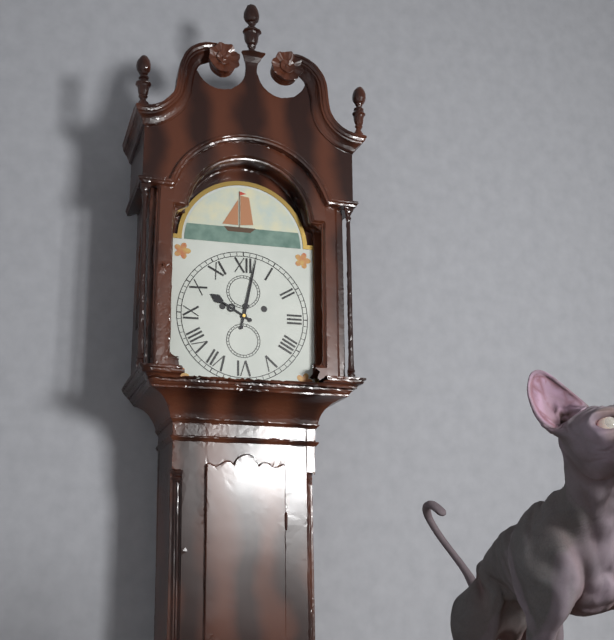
10.02
